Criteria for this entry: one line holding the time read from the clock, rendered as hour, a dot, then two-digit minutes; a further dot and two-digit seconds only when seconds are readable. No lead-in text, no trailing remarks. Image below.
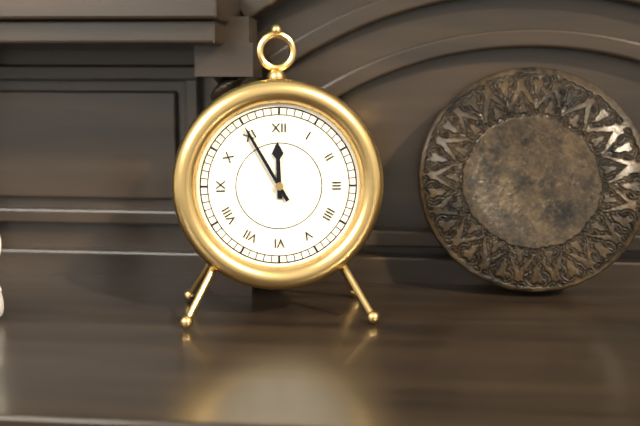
11.55
